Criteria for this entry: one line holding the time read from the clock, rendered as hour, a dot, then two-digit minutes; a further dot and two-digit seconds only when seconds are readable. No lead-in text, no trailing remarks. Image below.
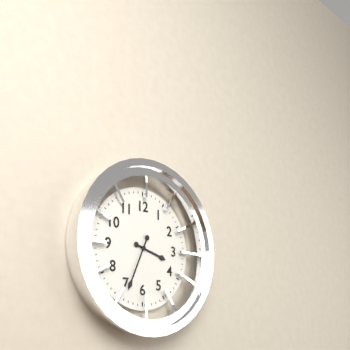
3.34
